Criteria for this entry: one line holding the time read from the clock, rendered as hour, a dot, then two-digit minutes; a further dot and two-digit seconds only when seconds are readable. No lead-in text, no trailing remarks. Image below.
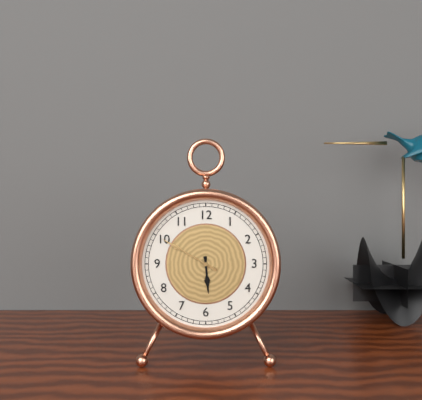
5.50
